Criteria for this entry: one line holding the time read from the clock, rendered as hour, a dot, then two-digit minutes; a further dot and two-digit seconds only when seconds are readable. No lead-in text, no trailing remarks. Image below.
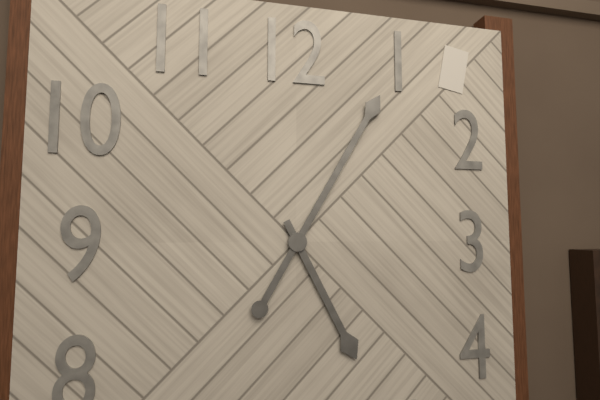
5.05
